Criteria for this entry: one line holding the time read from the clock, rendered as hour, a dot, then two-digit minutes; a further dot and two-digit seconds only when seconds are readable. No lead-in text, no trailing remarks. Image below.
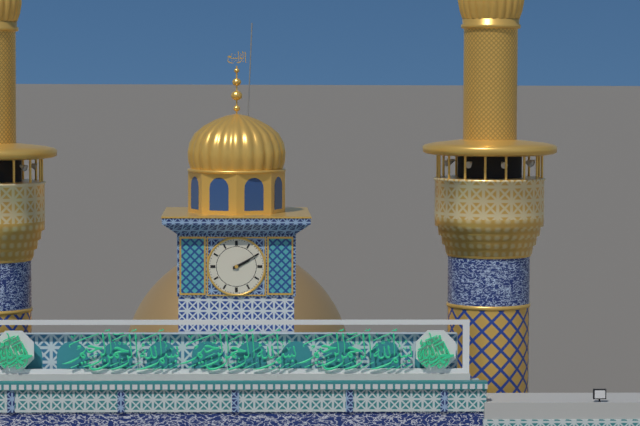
2.10
